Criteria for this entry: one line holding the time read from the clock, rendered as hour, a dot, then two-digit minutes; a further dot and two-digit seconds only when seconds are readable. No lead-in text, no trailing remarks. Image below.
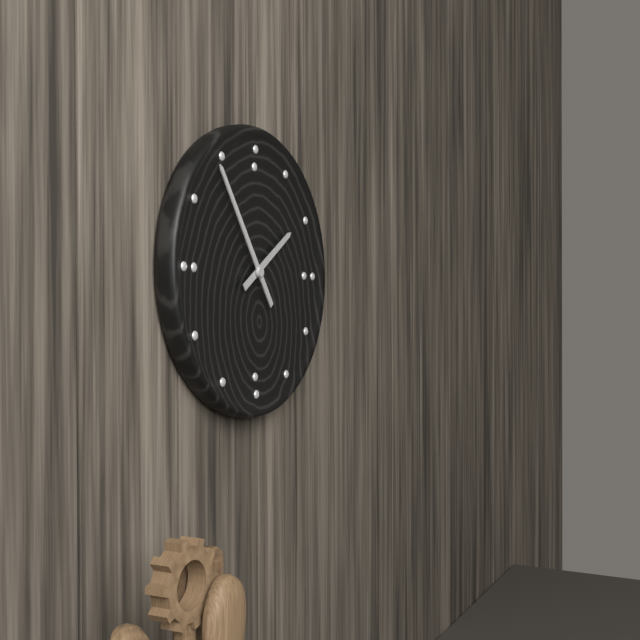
1.54
